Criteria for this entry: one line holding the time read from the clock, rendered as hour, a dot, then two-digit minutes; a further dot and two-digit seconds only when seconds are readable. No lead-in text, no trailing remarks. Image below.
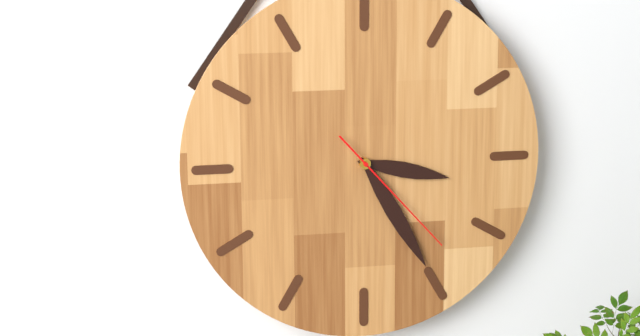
3.25.23
